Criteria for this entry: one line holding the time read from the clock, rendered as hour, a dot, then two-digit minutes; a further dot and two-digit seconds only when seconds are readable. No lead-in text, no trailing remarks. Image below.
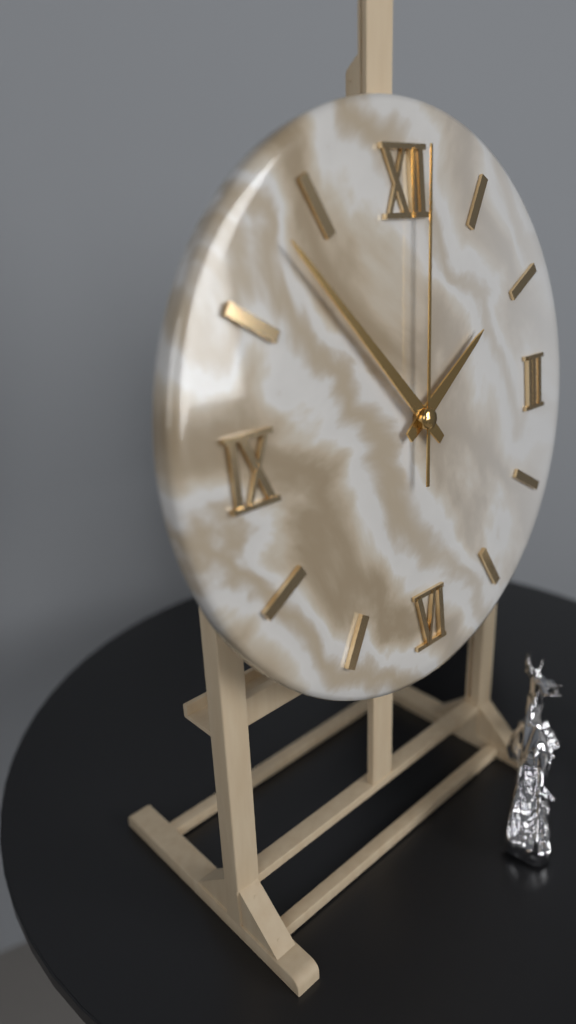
1.53.01
